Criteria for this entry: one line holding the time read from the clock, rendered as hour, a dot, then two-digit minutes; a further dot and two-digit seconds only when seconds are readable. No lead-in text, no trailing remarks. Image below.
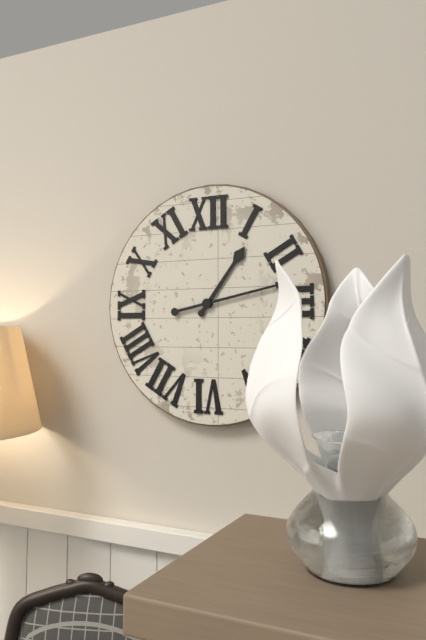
1.13
